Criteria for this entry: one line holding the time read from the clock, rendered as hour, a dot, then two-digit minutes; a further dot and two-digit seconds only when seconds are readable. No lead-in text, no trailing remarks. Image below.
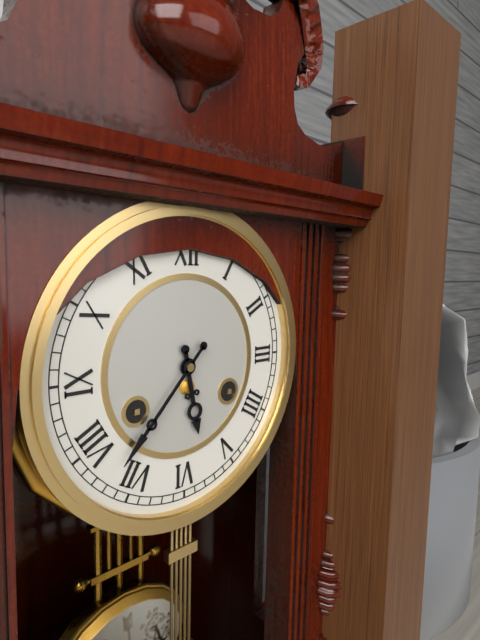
5.37
